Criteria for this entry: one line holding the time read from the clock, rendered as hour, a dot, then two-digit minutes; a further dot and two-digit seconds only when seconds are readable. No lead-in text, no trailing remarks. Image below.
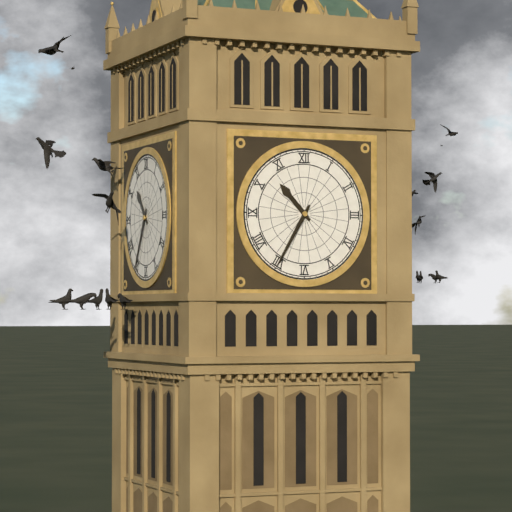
10.35
